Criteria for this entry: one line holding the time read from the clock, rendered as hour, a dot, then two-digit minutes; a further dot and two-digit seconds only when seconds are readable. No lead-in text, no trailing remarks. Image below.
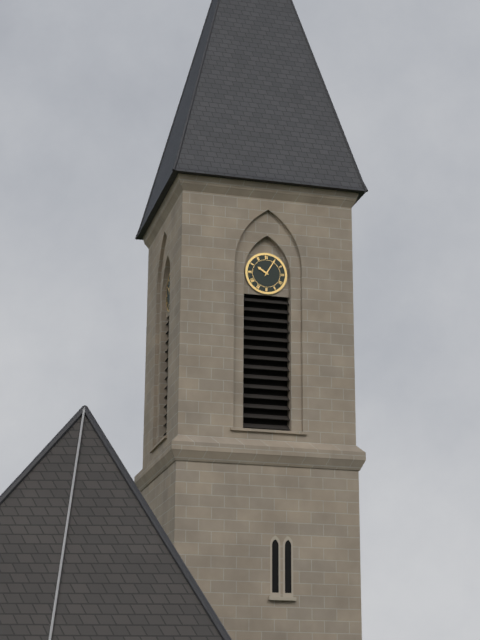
10.05
